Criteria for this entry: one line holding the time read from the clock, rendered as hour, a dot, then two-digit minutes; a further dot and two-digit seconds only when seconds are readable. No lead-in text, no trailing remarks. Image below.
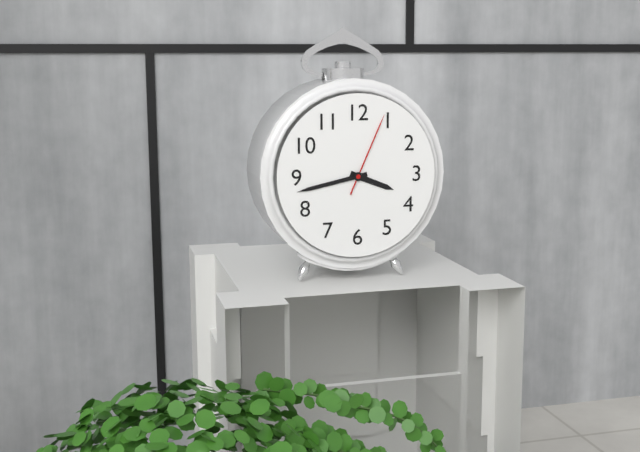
3.43.04
